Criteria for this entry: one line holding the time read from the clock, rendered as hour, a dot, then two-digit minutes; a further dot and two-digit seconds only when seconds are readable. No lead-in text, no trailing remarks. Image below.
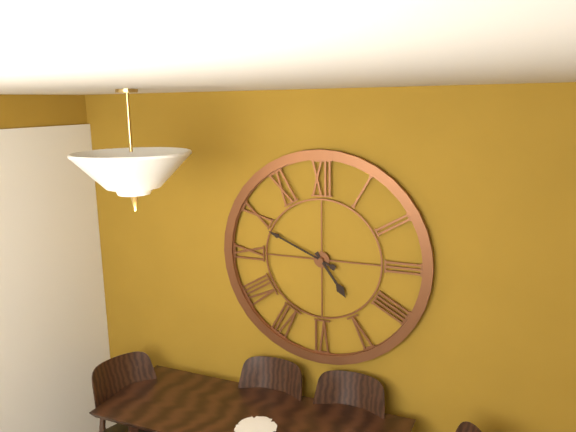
4.49
